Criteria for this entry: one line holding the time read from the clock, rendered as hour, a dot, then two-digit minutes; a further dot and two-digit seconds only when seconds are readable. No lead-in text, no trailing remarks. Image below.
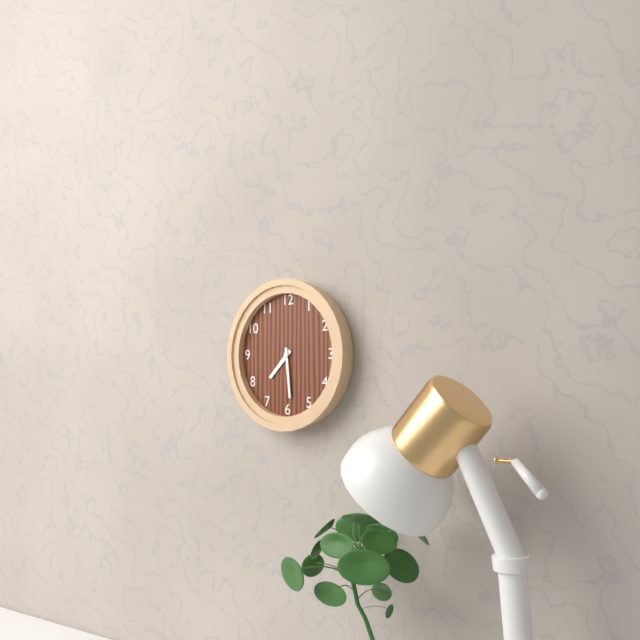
7.29
